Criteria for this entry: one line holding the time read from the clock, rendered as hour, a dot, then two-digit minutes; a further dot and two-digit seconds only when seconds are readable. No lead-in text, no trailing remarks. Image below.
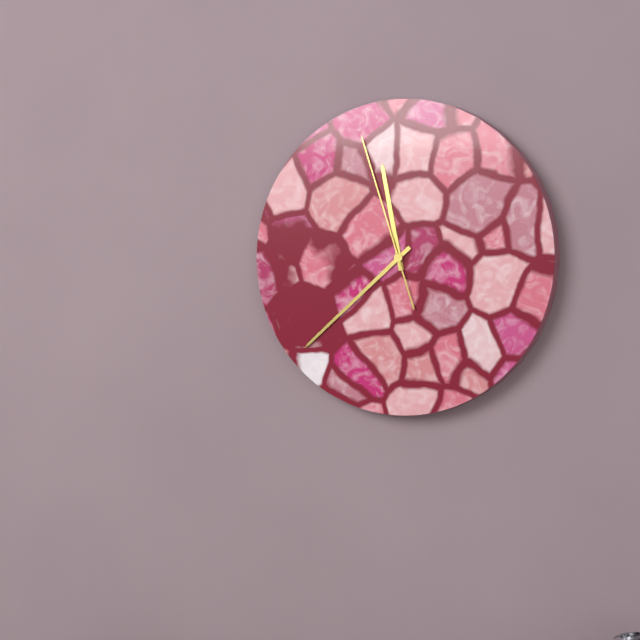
11.38.57
